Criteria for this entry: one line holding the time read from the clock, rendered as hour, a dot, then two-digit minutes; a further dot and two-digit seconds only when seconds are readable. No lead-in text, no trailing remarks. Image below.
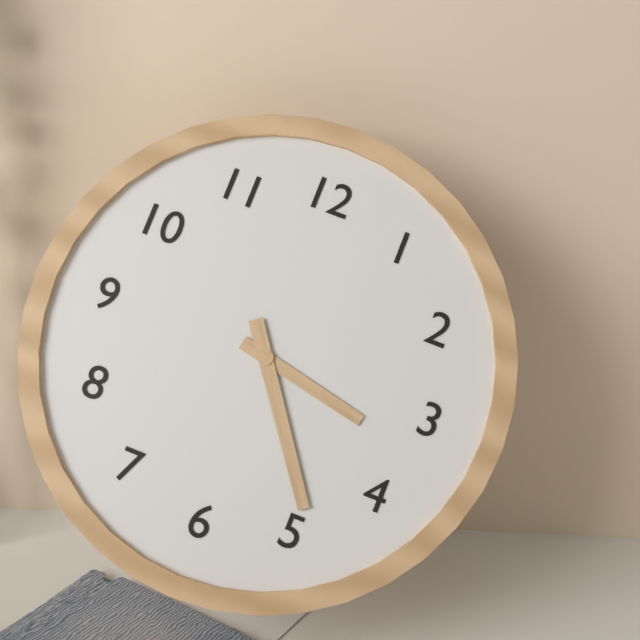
3.24
